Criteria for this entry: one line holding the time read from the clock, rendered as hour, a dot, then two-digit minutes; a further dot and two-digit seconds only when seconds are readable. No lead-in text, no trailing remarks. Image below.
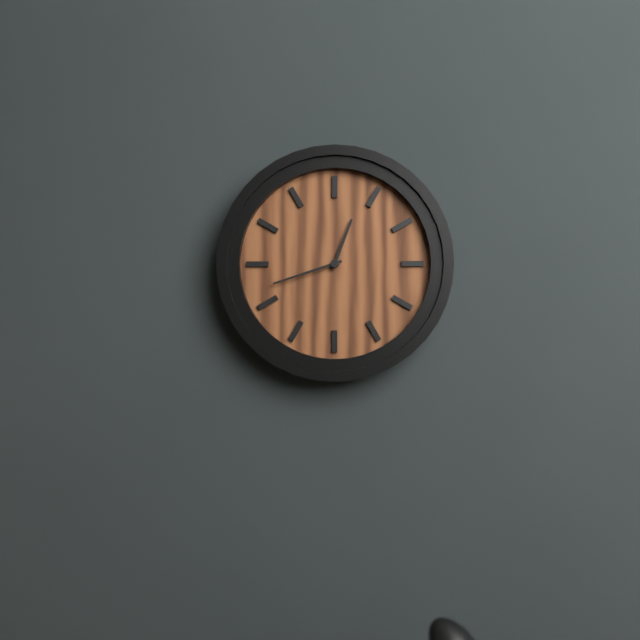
12.42
